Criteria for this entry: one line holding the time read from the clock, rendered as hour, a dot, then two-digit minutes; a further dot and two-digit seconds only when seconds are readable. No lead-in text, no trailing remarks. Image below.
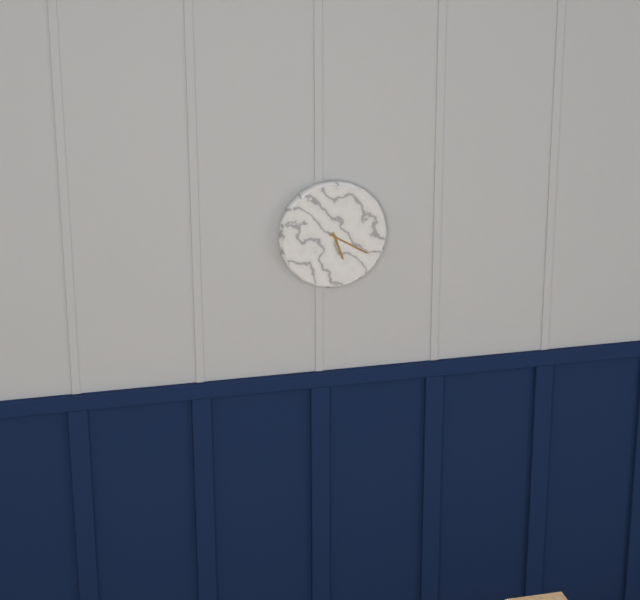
5.20
